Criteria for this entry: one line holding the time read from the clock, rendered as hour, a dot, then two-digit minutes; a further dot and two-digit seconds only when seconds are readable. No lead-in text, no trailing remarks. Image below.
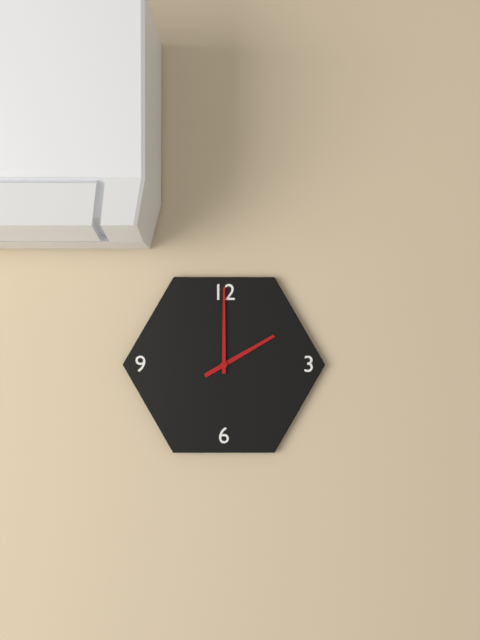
2.00
